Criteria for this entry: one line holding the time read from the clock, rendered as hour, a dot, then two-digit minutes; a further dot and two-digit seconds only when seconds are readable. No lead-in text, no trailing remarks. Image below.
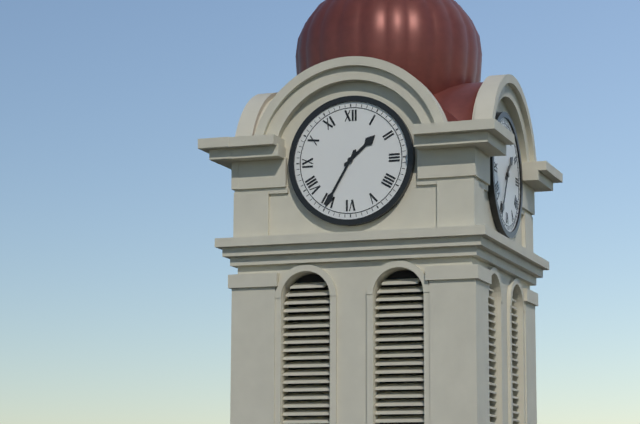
1.35
